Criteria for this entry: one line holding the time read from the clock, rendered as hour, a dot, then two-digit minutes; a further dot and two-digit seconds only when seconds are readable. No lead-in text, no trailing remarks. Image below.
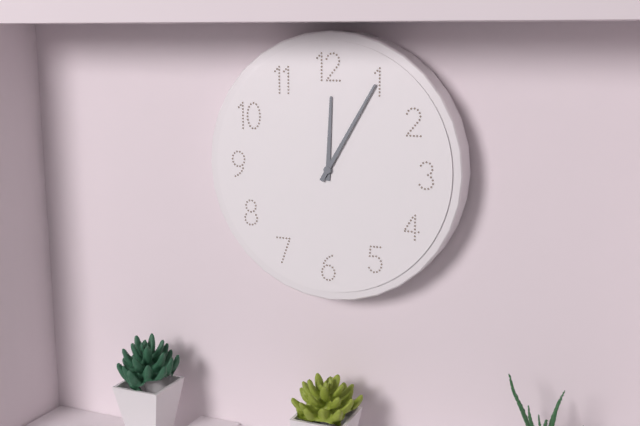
12.05
